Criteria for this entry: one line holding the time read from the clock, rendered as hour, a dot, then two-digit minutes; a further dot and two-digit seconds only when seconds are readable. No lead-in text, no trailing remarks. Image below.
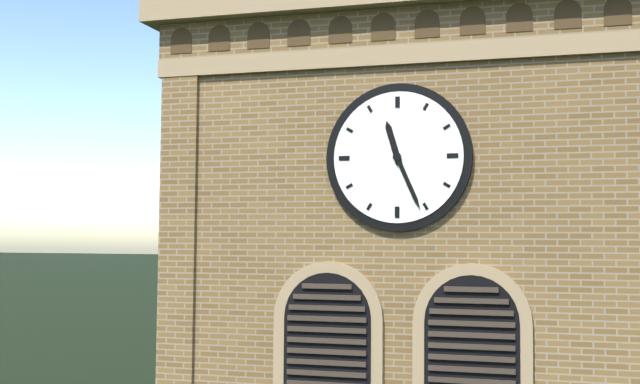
11.26
